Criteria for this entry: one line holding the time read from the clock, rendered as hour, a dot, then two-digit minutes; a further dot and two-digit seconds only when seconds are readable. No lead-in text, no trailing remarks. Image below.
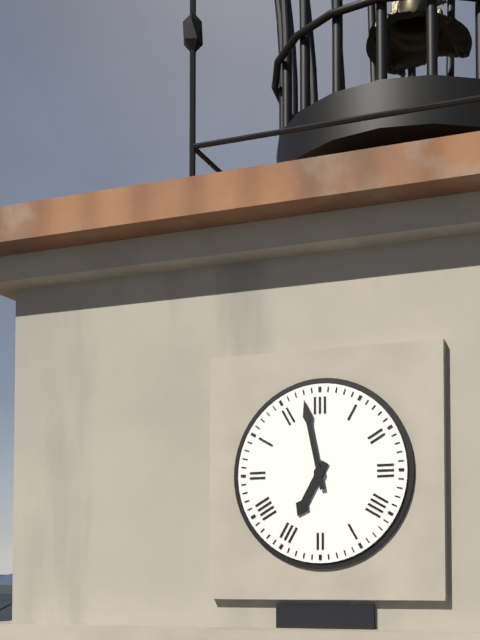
6.58
